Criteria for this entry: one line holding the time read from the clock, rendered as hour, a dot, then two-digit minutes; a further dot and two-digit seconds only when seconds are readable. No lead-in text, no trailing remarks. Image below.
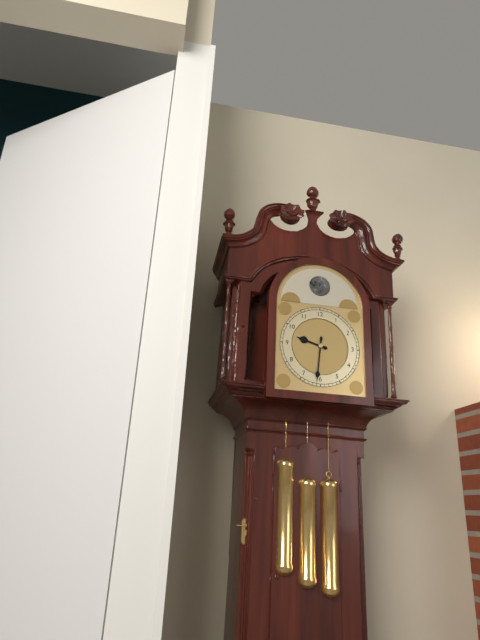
9.31
